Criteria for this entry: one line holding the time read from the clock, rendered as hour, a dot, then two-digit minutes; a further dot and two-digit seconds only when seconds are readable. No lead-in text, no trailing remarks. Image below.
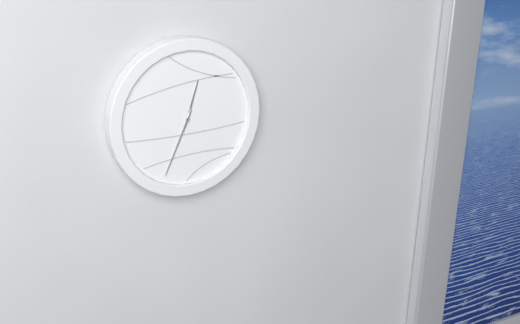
12.34
